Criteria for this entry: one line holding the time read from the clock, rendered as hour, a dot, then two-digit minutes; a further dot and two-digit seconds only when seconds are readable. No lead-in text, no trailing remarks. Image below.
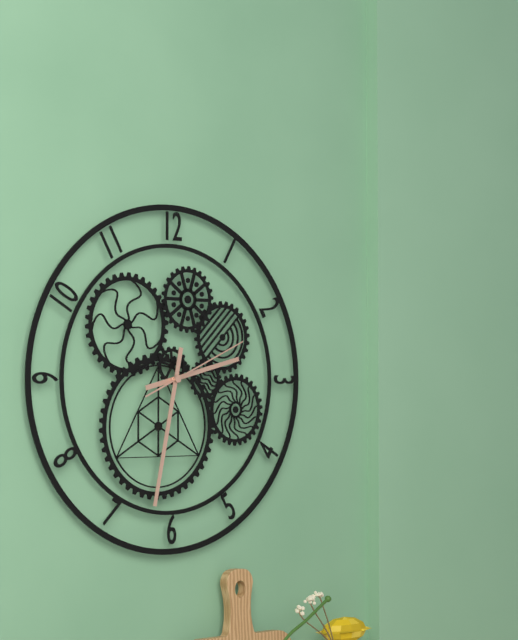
2.32.11
